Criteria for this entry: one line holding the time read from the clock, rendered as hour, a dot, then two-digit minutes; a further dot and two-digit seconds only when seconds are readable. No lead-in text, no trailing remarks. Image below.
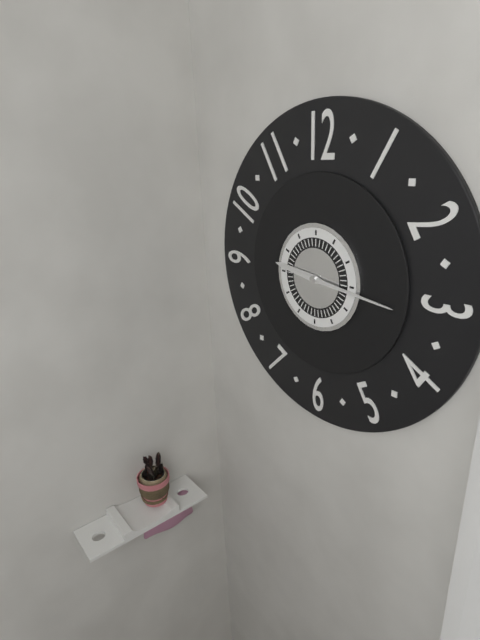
9.16
